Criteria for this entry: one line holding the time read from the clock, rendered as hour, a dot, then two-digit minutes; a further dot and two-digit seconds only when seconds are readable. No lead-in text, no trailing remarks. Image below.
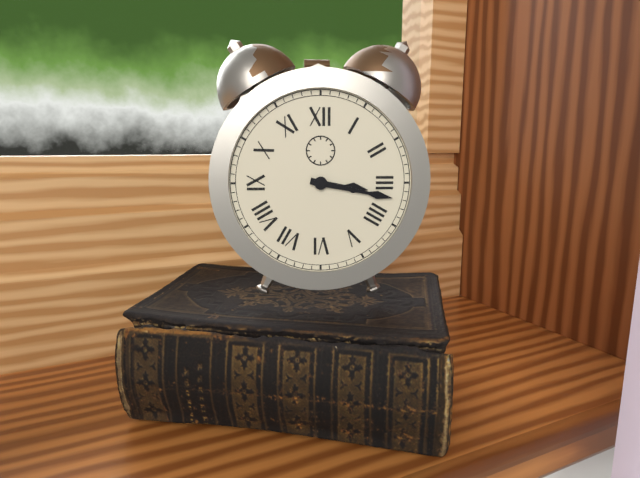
3.17
